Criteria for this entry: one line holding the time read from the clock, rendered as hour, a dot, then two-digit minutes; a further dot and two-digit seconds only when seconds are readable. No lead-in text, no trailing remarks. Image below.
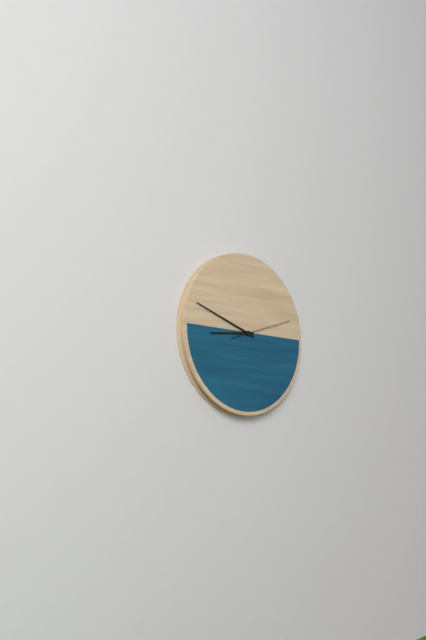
8.48.12
